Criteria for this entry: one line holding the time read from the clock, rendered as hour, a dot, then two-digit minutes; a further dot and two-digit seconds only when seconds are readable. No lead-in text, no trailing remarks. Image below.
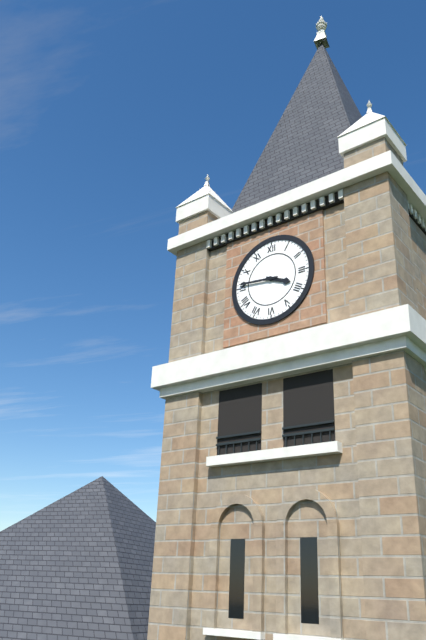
3.46
